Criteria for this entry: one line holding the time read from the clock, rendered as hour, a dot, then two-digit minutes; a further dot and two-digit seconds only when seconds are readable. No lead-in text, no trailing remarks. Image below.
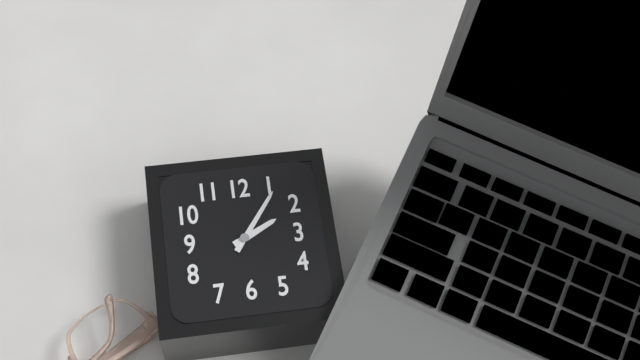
2.06
